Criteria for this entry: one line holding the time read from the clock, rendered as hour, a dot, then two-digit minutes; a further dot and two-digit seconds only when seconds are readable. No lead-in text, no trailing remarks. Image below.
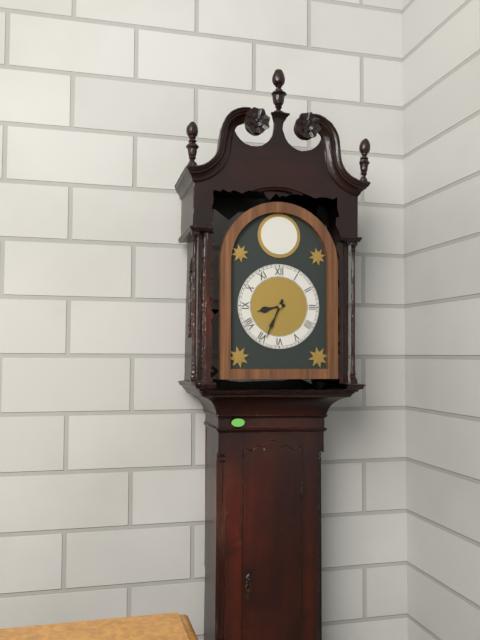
8.34
